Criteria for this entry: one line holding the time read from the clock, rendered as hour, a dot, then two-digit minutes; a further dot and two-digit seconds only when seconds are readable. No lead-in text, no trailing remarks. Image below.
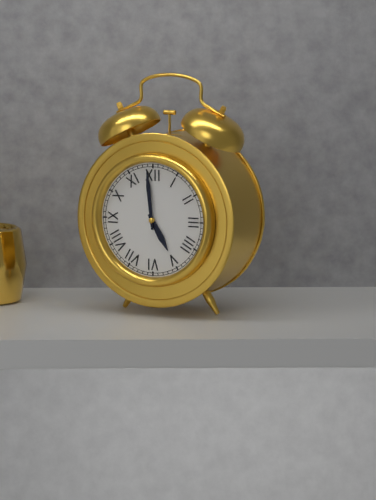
4.59
